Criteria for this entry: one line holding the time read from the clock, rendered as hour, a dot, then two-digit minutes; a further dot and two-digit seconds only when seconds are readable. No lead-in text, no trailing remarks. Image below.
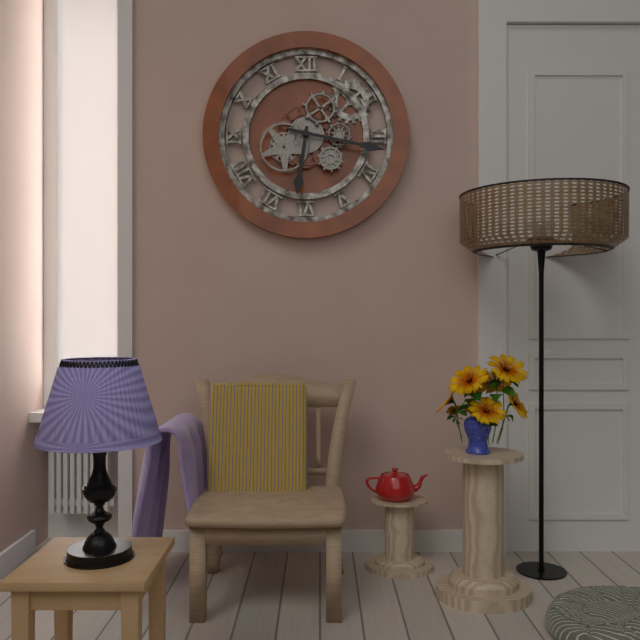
6.17
